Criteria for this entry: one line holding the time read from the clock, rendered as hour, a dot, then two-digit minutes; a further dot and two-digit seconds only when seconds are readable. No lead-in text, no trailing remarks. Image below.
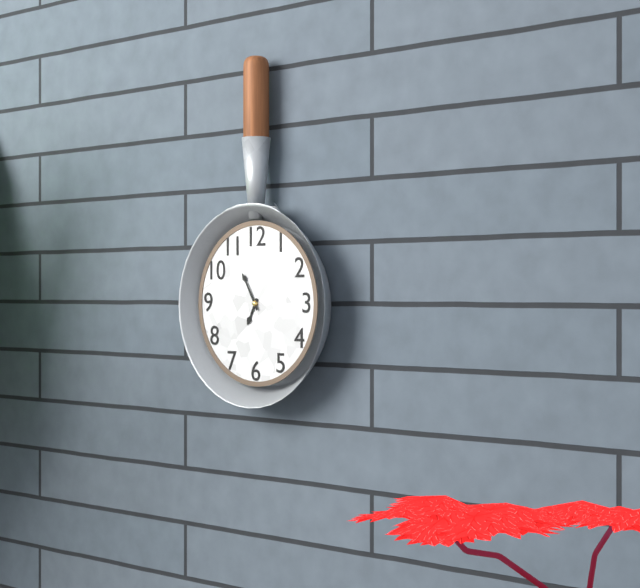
6.55
